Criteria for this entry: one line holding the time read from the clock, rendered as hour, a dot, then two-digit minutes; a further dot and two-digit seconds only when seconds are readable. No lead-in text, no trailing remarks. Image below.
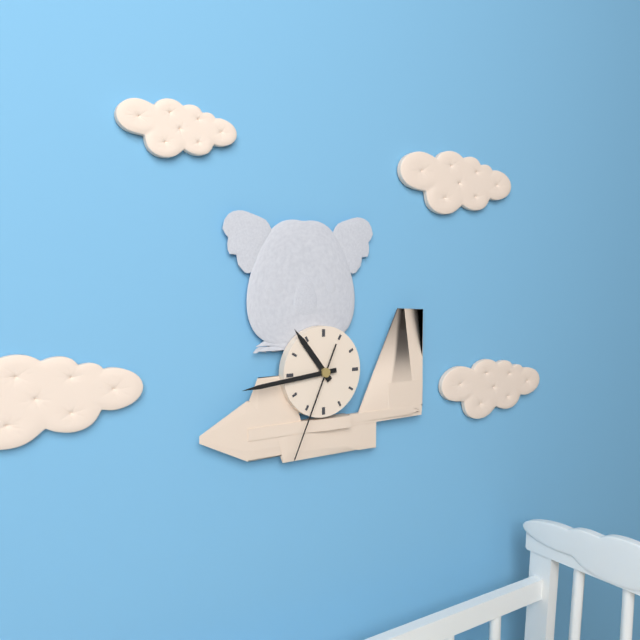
10.44.34
